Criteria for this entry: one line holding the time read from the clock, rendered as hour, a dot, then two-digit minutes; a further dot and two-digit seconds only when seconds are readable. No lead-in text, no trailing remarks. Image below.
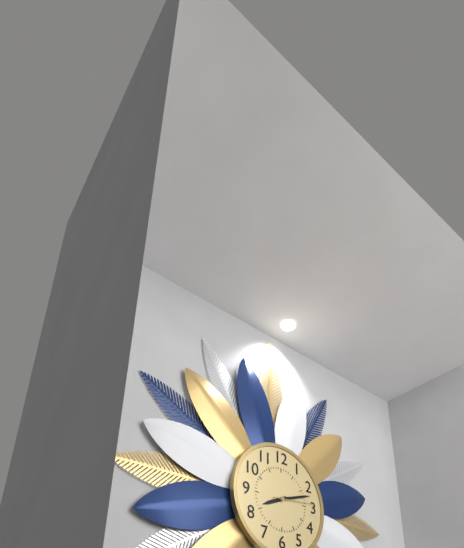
8.12.14
